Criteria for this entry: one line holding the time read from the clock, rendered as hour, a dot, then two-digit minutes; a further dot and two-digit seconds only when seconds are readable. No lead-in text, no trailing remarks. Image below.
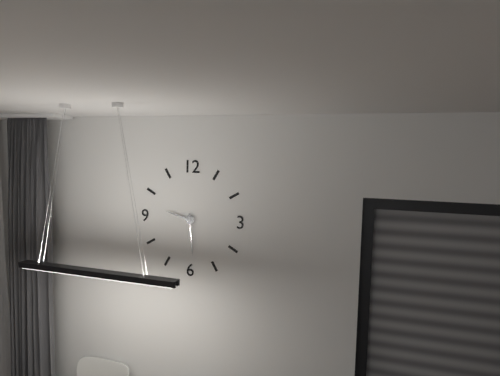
9.29
